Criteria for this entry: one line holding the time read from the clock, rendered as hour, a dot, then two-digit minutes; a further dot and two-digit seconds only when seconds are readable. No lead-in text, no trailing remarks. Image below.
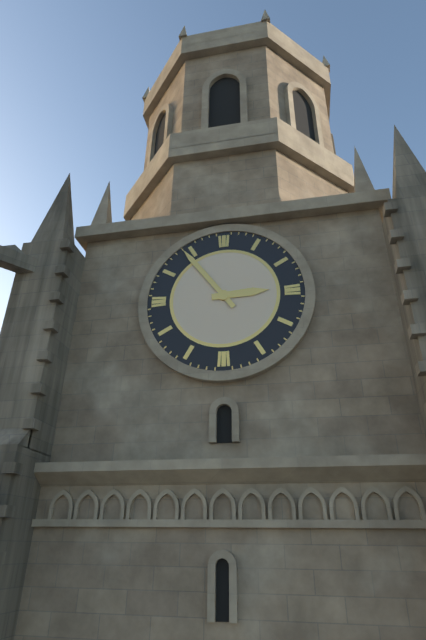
2.54
